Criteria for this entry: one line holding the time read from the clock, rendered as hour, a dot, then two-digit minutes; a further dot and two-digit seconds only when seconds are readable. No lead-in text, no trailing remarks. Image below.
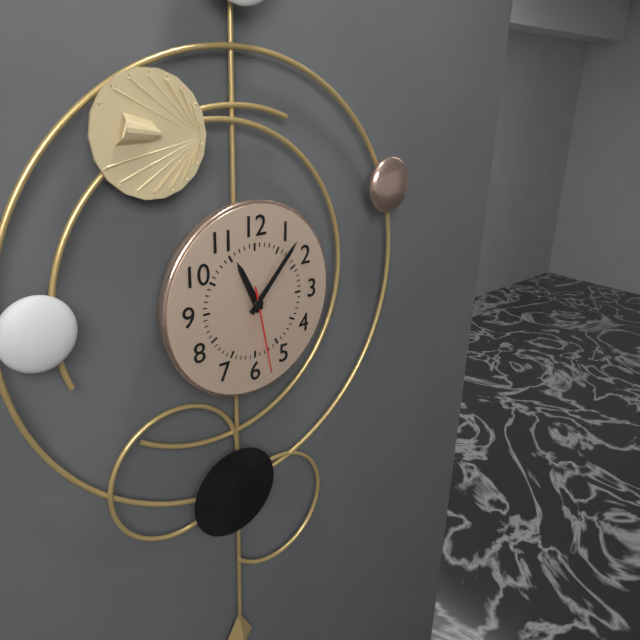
11.07.28
